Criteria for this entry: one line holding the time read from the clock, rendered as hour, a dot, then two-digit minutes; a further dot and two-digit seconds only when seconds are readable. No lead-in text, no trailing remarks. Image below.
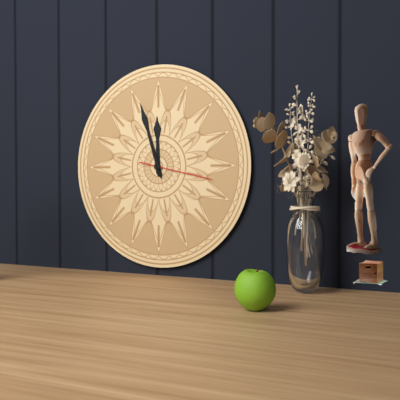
11.57.17
